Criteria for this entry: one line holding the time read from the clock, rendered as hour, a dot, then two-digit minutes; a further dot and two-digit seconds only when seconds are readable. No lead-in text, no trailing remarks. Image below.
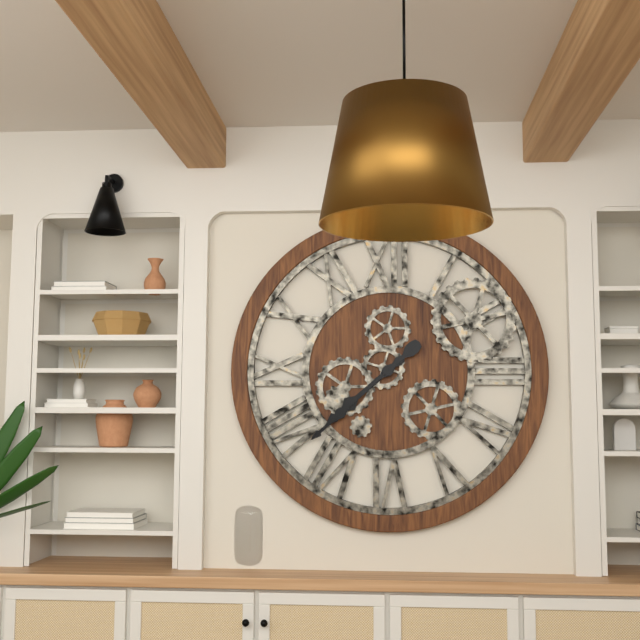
7.38
